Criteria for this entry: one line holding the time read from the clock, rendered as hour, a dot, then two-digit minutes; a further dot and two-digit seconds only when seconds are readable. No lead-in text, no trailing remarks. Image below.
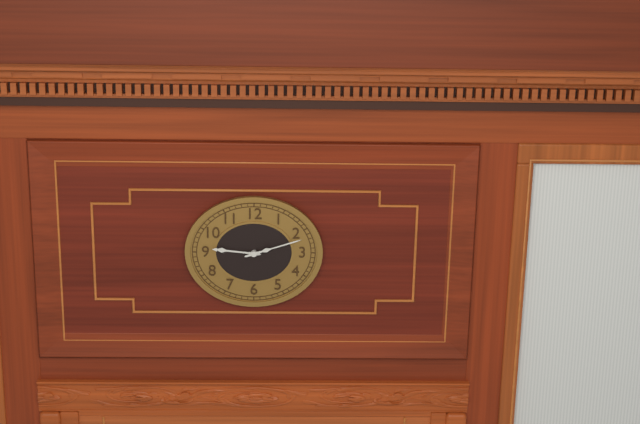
9.12
